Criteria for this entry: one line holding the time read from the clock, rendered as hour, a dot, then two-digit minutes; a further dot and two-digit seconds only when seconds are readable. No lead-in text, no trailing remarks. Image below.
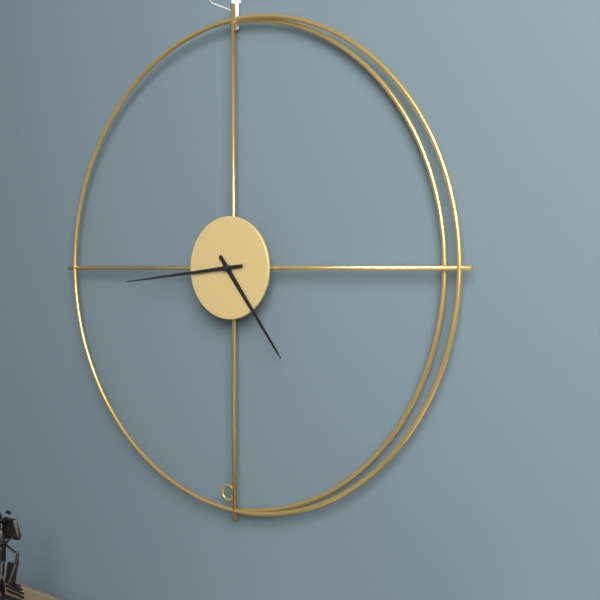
4.44
